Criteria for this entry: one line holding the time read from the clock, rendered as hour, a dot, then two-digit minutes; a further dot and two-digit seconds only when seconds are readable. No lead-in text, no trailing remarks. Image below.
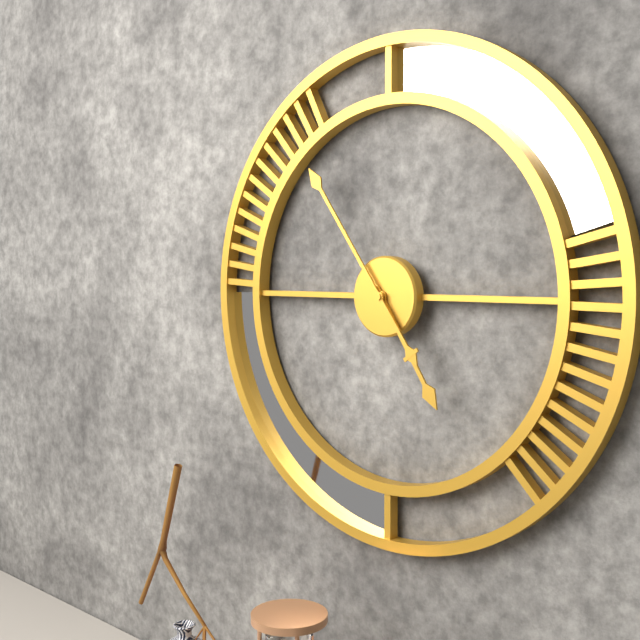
4.54
